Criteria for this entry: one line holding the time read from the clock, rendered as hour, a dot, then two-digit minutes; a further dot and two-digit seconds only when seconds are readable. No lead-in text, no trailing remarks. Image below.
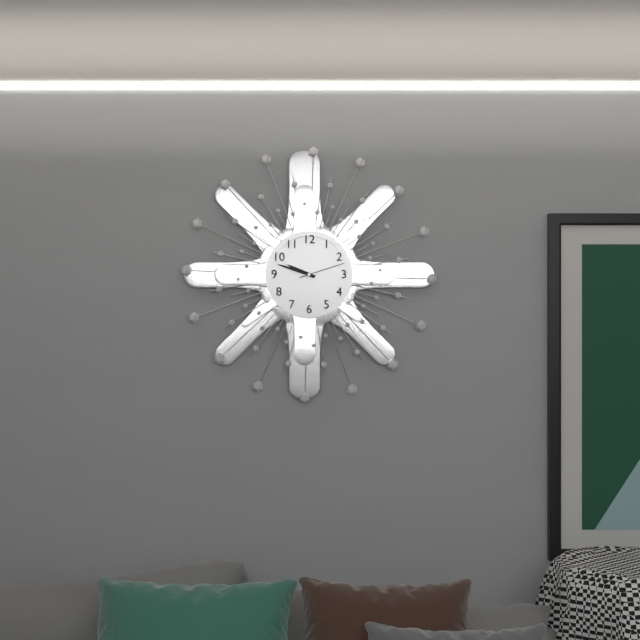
9.48
